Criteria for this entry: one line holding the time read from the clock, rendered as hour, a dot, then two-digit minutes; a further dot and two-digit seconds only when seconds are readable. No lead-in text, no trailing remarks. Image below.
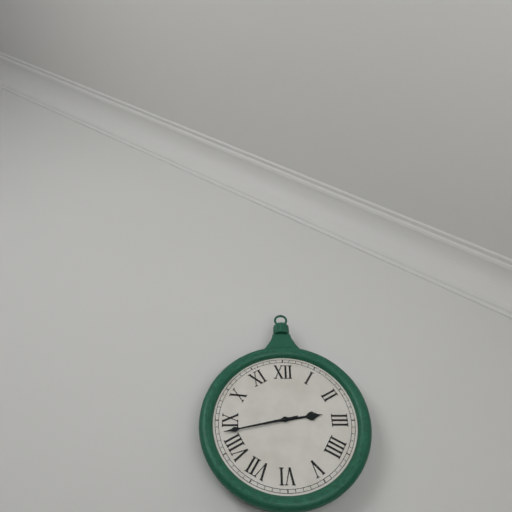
2.43
